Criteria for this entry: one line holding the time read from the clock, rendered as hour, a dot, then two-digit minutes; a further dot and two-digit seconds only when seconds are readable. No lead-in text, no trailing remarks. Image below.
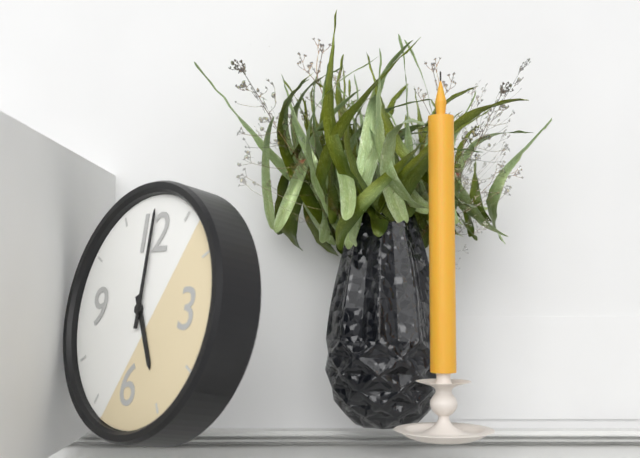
5.00
